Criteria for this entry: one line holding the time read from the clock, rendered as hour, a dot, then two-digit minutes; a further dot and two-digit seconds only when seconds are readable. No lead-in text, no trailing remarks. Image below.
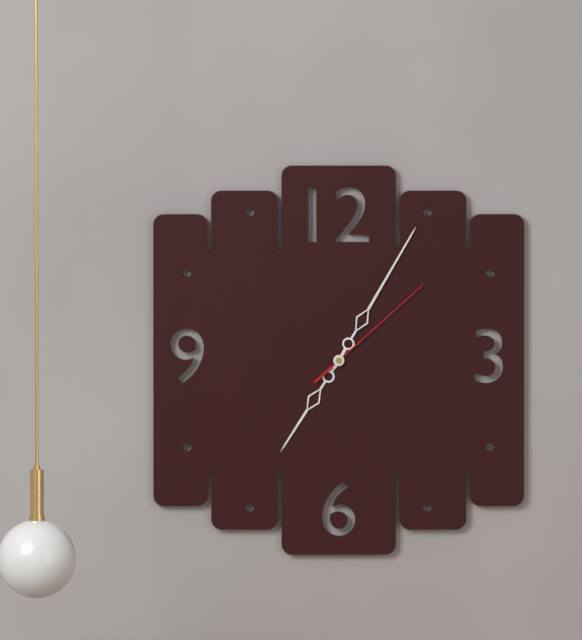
7.05.08
